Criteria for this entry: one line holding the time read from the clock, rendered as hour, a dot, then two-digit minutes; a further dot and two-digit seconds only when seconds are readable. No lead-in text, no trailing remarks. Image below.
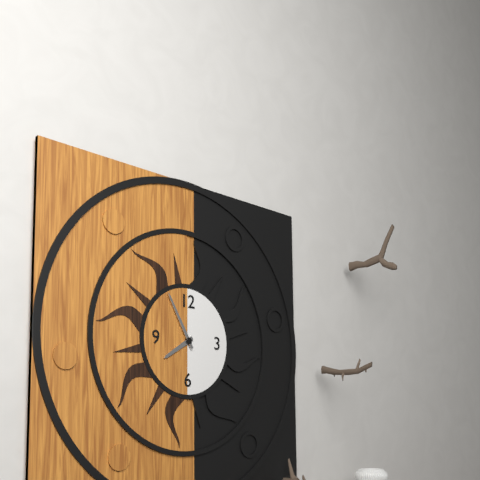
7.55
